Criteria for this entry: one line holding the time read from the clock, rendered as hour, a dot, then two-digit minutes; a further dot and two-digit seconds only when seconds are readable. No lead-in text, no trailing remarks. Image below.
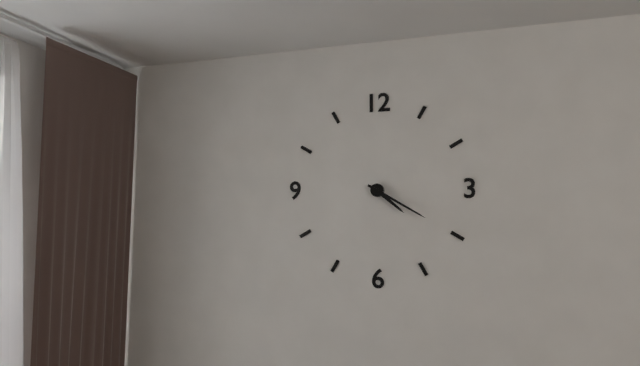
4.20
